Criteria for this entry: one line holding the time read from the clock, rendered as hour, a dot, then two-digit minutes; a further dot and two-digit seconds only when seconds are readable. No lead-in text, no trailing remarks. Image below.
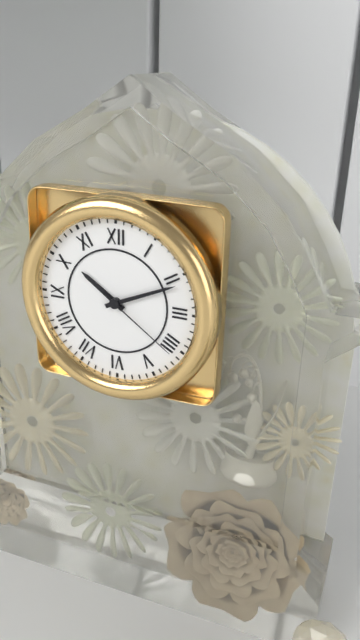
10.11.21
